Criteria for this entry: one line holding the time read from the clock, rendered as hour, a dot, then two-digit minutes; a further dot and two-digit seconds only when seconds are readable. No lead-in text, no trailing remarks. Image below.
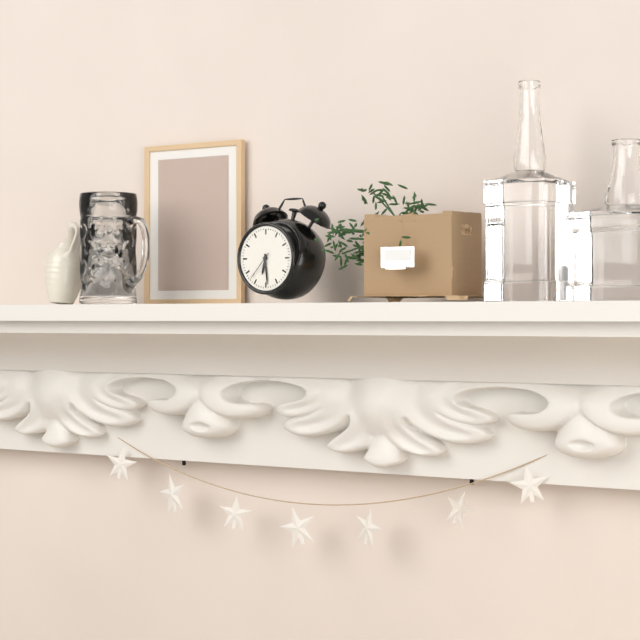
6.29
